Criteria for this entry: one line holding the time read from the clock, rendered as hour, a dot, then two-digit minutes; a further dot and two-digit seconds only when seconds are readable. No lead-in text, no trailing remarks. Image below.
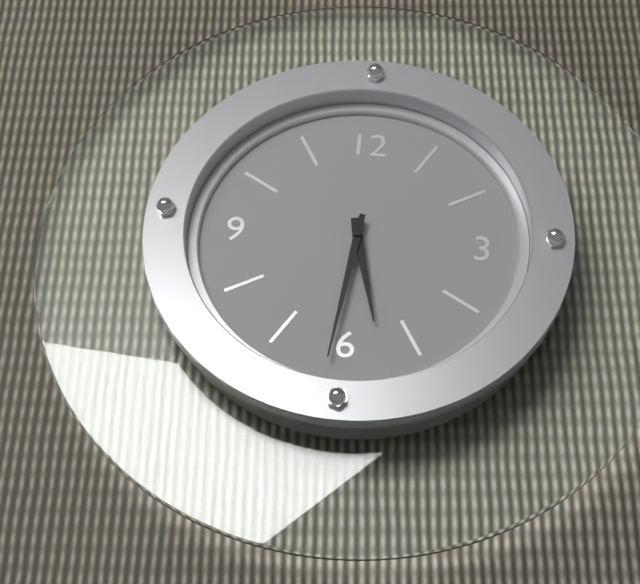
5.31
